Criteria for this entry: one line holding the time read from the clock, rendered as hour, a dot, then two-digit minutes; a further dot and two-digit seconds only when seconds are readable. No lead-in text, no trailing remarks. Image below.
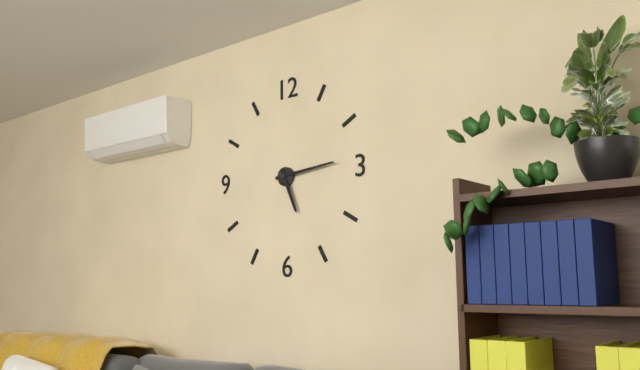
5.14
